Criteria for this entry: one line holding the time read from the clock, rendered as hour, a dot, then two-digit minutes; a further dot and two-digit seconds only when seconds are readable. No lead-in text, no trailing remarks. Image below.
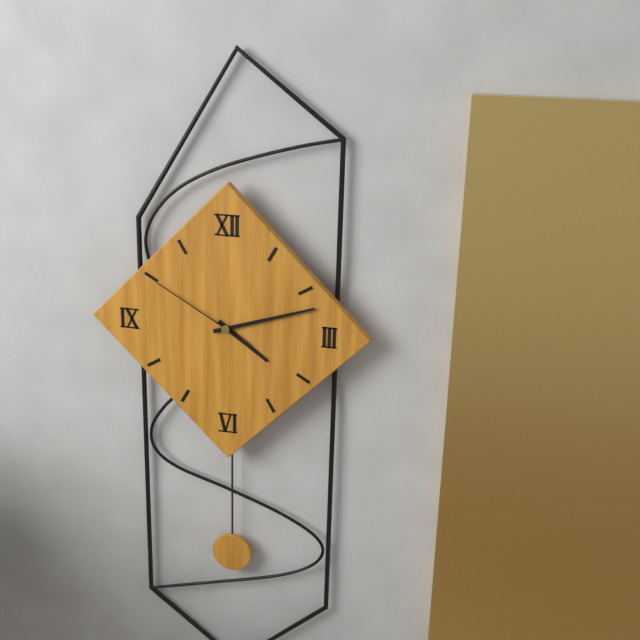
4.12.50
